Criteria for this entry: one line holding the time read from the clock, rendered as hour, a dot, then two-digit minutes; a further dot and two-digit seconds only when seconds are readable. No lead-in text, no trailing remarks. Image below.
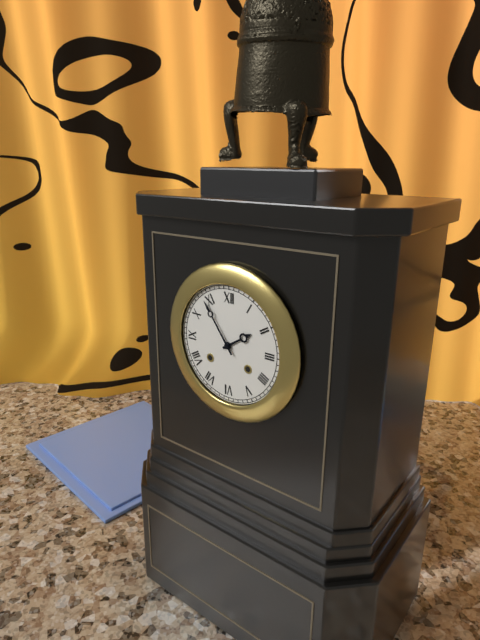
1.54
